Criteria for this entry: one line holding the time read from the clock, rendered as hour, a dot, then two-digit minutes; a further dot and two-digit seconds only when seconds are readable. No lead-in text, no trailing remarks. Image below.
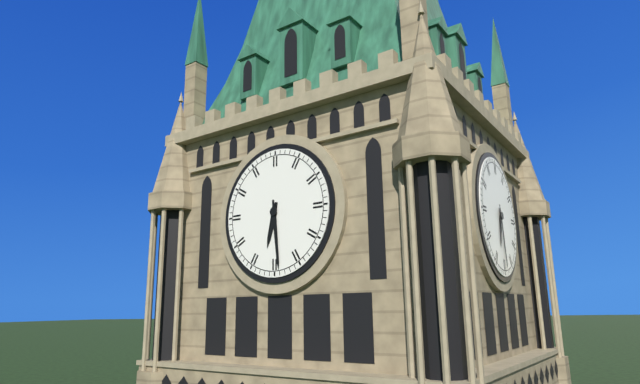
6.29
